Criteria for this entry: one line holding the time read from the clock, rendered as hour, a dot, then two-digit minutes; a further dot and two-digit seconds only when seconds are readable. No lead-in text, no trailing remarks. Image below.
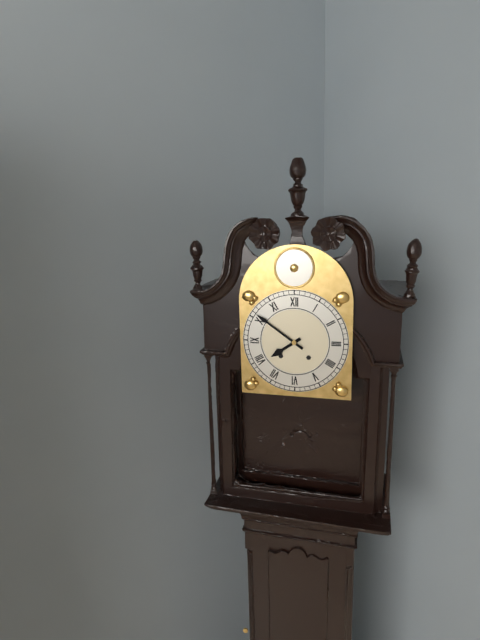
7.51
